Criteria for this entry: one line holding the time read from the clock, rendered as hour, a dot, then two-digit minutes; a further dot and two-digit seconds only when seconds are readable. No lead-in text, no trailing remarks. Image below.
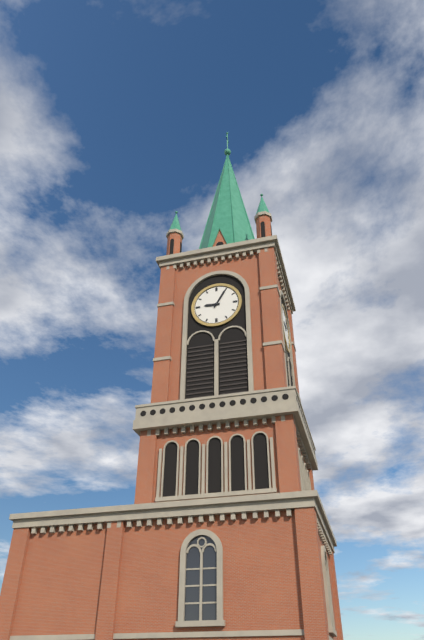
9.05
